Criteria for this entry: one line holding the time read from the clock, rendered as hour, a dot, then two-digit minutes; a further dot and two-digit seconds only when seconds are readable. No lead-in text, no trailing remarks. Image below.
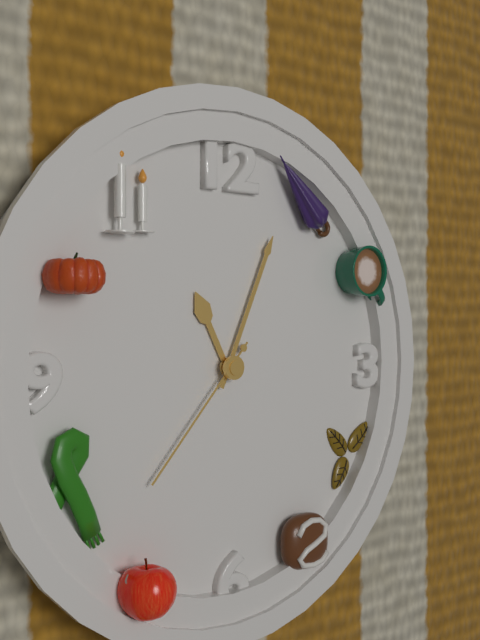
11.04.37
